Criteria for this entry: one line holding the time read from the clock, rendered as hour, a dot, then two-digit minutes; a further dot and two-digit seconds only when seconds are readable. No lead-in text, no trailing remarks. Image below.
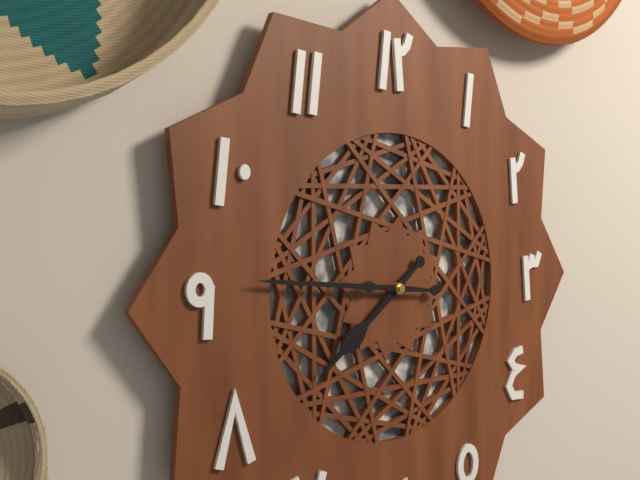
7.46
